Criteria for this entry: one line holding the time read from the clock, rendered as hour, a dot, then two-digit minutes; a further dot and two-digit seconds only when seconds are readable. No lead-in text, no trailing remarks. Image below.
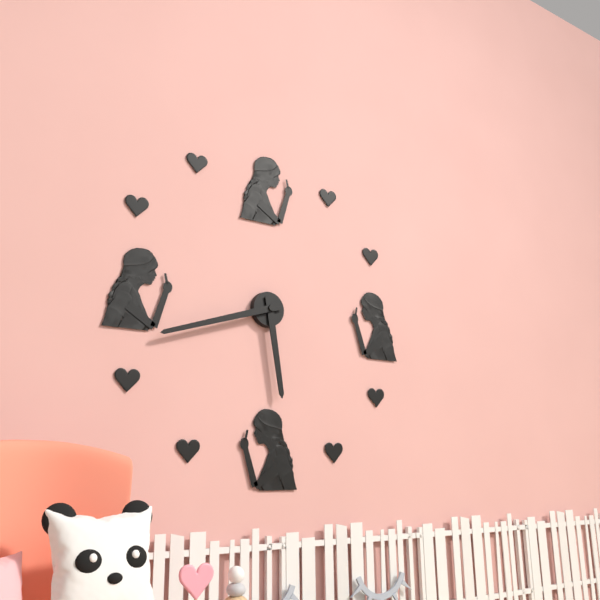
5.42
